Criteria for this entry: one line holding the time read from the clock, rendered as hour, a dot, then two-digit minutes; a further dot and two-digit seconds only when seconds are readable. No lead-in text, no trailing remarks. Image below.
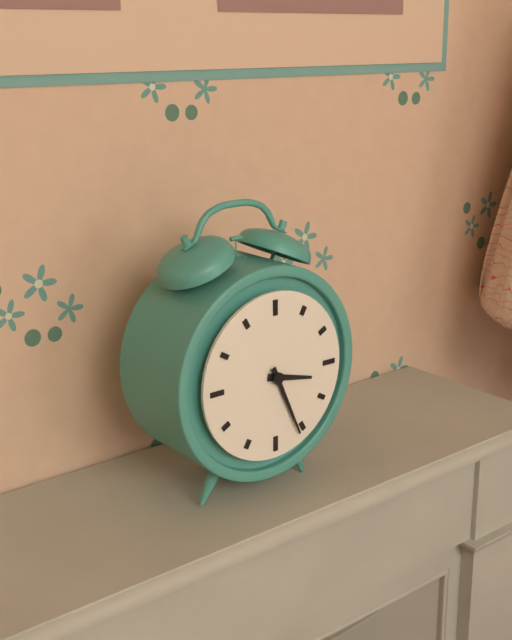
3.26
